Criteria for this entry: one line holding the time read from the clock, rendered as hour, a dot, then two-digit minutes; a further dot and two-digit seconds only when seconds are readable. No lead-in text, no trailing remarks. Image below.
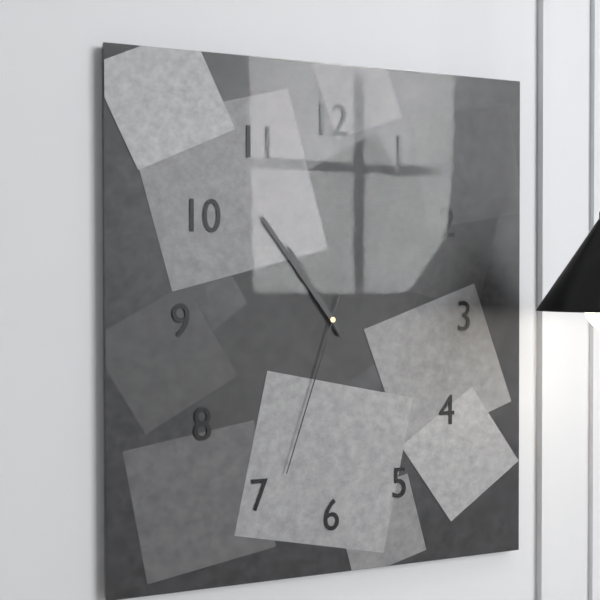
10.54.33
